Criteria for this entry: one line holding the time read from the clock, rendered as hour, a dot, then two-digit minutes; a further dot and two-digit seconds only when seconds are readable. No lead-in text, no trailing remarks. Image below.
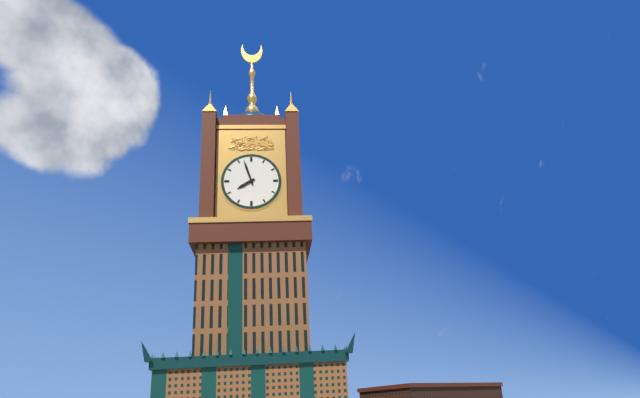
7.57
